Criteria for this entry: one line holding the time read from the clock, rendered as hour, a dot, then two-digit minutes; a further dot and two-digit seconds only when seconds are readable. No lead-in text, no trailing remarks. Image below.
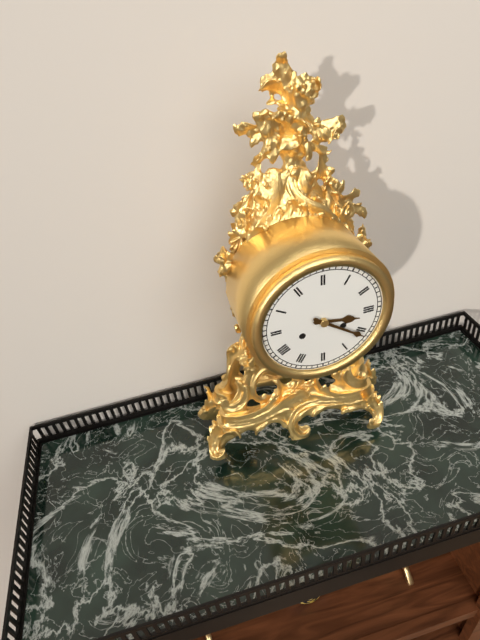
3.21
